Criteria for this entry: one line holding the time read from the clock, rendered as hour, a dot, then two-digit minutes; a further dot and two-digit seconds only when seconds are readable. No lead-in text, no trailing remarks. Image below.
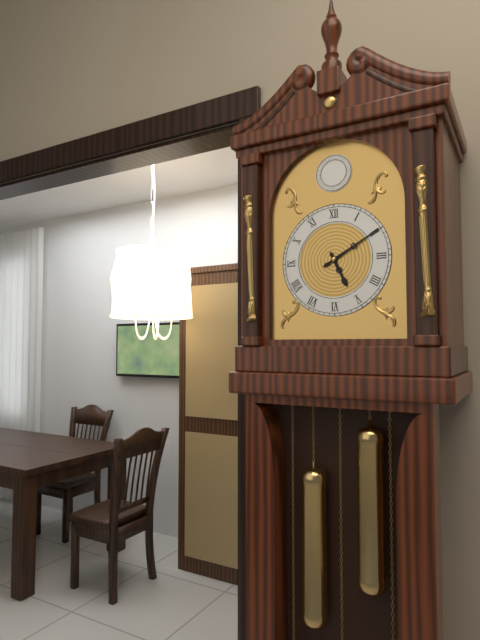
5.10
